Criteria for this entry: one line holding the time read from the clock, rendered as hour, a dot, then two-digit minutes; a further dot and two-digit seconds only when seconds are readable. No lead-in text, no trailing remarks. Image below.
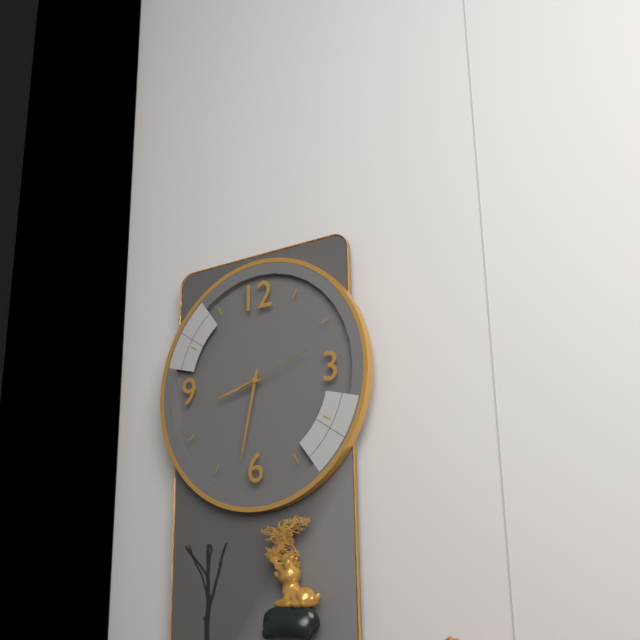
8.32.12
